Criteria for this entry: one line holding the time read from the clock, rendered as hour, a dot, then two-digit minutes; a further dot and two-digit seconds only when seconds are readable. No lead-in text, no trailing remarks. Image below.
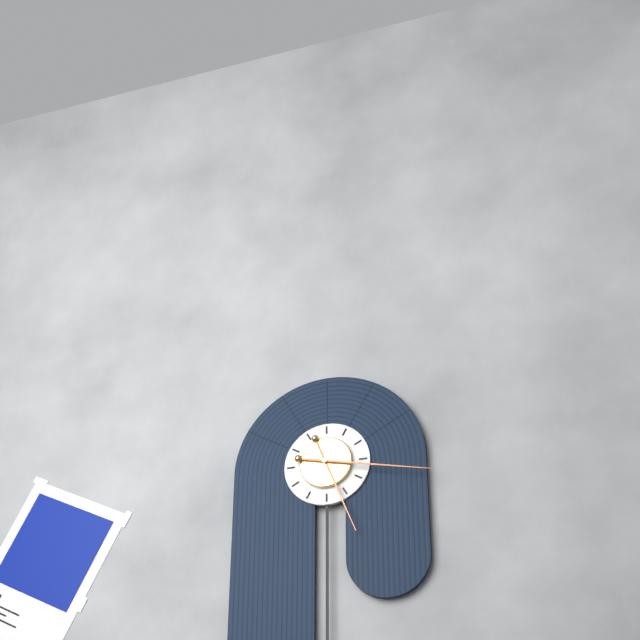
5.17
